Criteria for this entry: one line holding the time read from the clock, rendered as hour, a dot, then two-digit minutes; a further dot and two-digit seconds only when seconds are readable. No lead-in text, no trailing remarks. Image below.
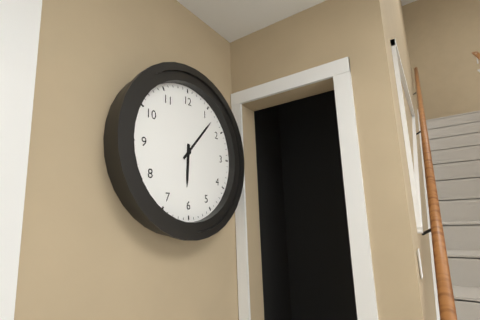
6.07
